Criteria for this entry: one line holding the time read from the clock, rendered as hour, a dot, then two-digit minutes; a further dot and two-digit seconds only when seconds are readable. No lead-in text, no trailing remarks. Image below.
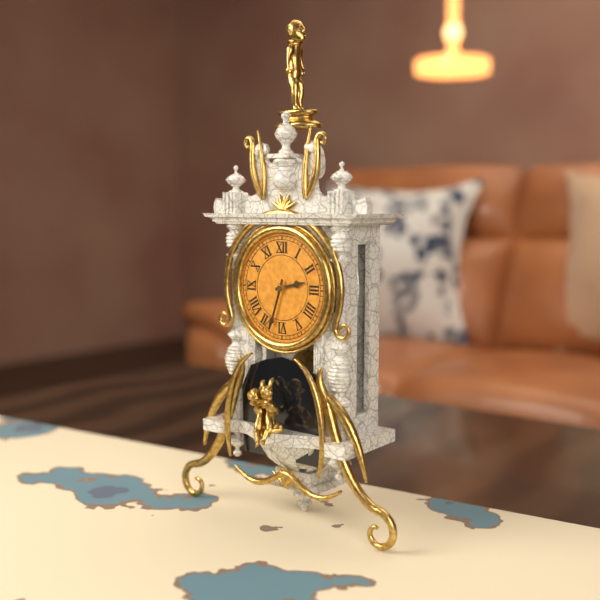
2.33
